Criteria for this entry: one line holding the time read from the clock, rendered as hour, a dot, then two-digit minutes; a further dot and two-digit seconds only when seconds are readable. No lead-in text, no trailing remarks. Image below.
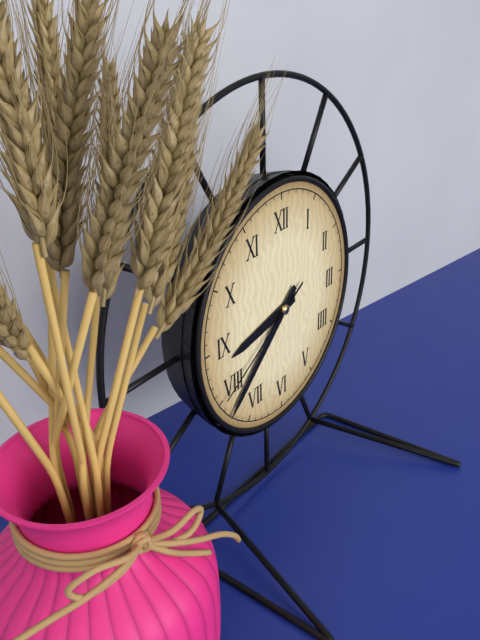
8.38.40
